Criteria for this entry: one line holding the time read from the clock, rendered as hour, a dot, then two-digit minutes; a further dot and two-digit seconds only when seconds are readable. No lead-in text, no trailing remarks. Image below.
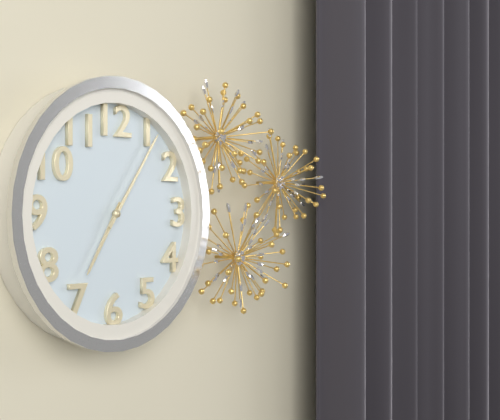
7.06
